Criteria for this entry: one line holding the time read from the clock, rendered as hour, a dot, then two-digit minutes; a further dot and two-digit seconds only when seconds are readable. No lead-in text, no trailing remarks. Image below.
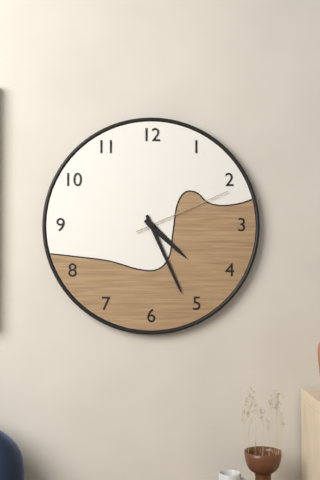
4.26.11
